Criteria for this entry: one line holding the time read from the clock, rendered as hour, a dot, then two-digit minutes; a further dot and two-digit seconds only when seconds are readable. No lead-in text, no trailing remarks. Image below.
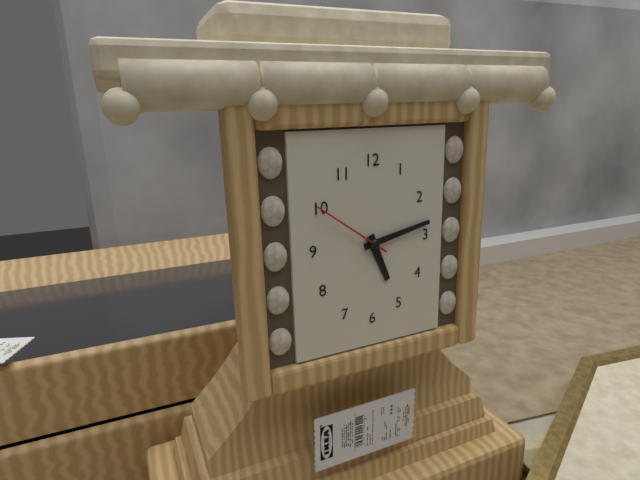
5.13.51
